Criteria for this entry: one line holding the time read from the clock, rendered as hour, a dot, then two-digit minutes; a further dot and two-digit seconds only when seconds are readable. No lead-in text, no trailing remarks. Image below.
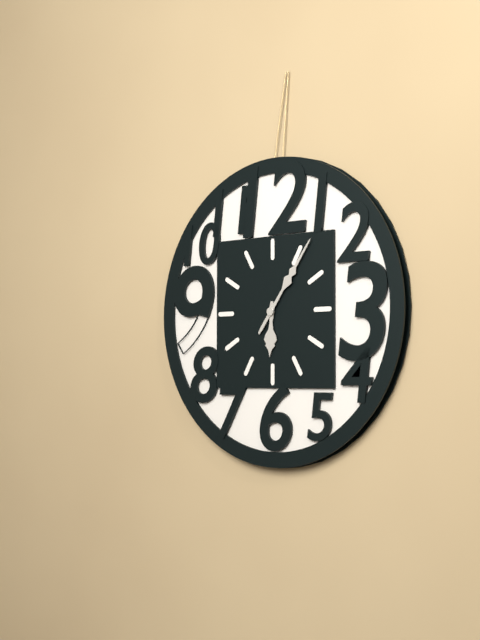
6.06
